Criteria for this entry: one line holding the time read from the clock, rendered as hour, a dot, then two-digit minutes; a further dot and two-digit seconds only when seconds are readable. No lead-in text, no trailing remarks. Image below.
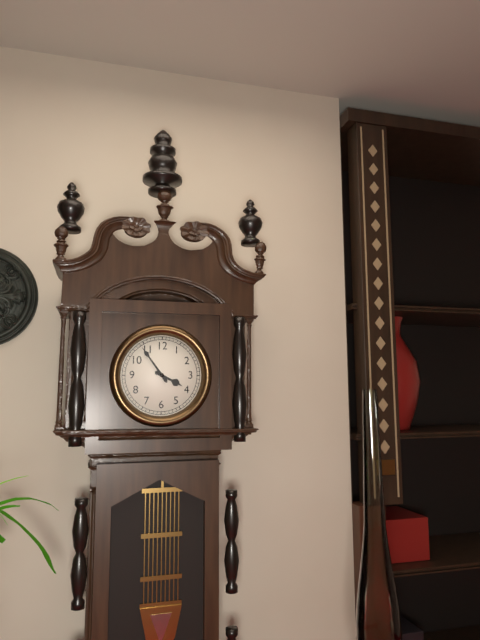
3.54
